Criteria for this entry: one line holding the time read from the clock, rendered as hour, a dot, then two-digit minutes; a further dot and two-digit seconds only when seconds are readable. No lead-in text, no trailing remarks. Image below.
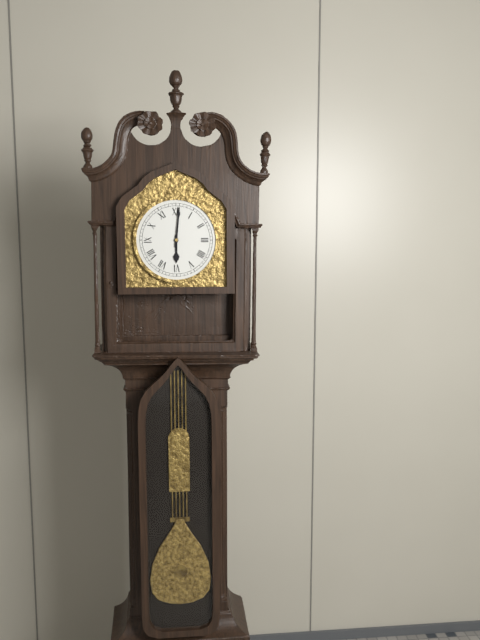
6.01
